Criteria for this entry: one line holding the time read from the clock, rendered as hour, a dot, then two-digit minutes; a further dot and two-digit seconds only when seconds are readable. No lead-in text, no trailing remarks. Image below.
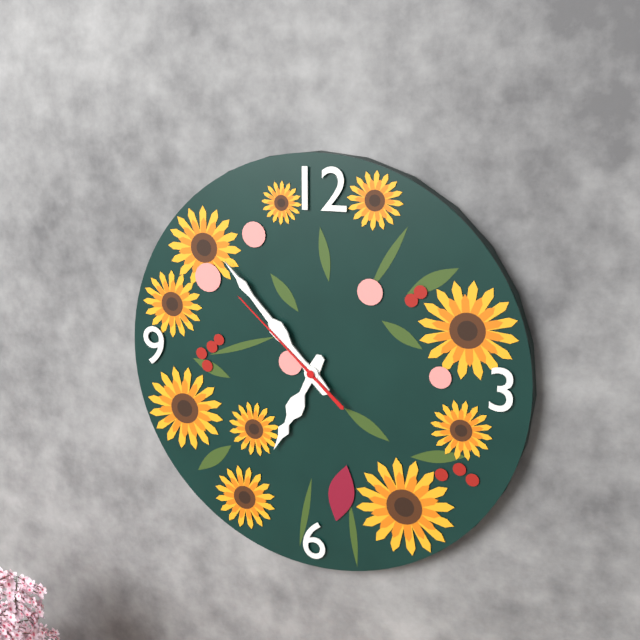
6.53.52
